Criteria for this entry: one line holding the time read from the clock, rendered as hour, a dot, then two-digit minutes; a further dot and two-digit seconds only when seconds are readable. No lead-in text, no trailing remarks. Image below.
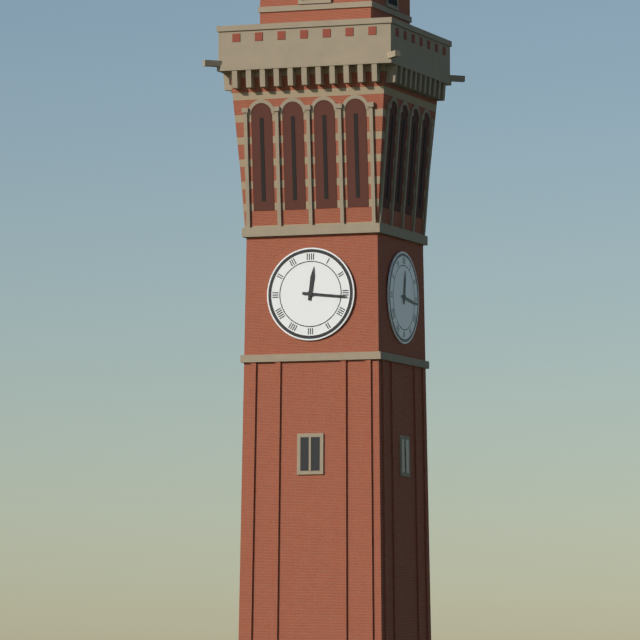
12.16
